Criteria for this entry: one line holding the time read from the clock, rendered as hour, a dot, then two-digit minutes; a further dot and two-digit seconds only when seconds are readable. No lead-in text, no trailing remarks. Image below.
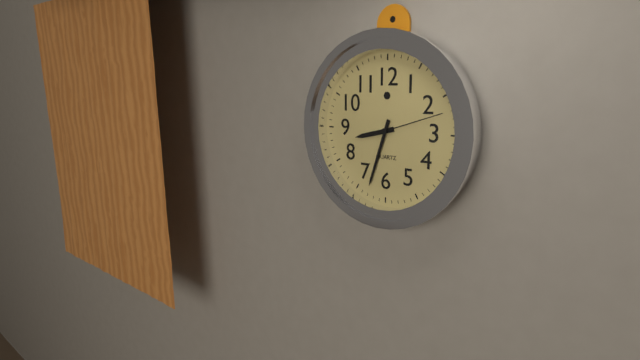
8.33.12
